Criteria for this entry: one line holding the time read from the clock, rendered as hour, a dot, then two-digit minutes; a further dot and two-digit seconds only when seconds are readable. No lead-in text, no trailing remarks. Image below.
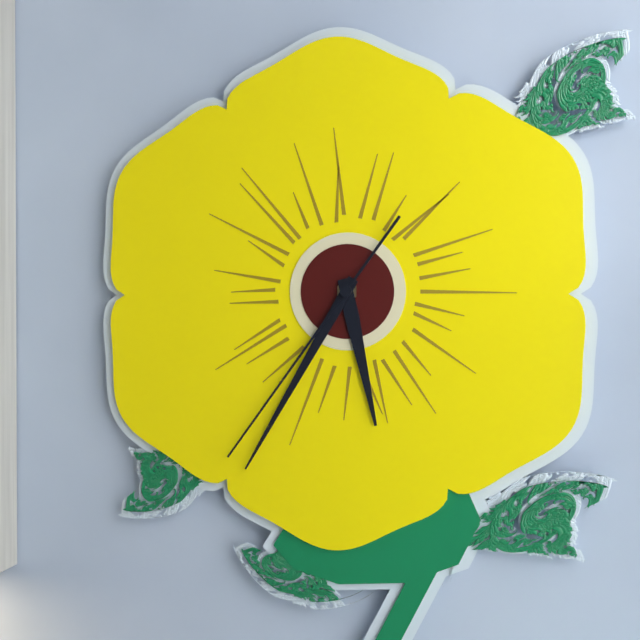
5.35.36
